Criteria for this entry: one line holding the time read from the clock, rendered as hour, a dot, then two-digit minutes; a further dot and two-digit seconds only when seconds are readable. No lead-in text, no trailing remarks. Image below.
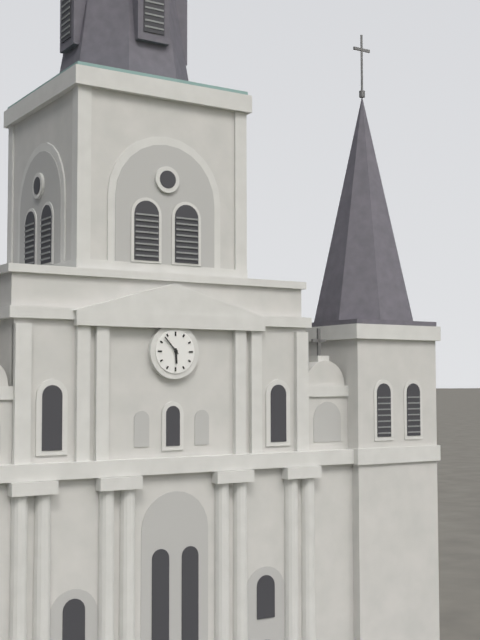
5.53
